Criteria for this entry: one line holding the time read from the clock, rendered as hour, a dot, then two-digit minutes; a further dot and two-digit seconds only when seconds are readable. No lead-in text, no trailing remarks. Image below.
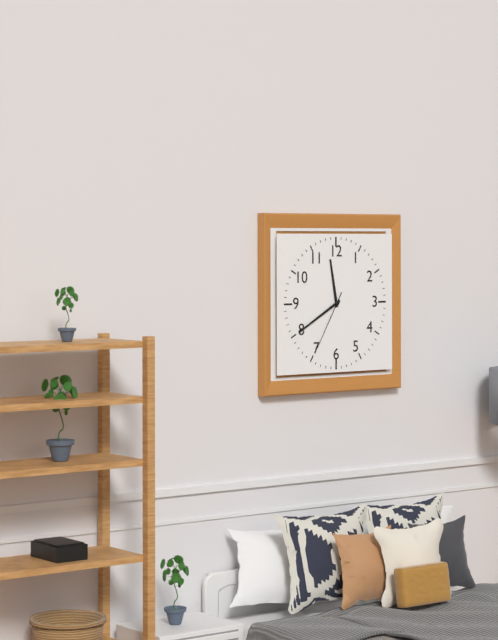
11.40.35
